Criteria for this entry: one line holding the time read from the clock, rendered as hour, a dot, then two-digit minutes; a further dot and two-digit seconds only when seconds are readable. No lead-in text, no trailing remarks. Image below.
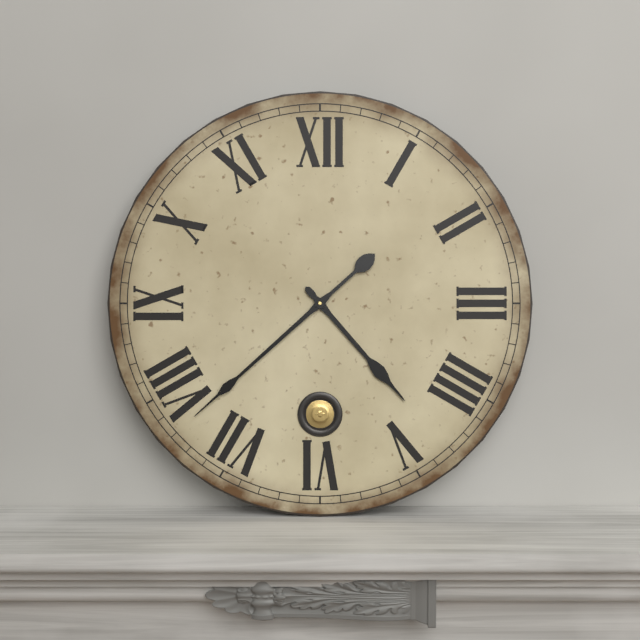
4.38
